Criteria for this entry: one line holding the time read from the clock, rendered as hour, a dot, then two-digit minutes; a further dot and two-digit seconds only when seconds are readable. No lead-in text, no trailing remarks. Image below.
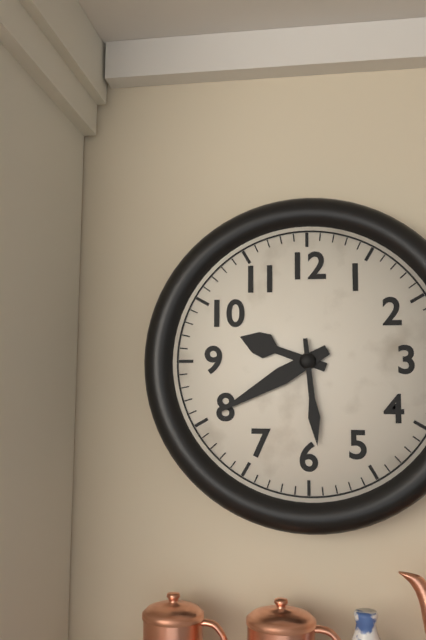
9.40.29
